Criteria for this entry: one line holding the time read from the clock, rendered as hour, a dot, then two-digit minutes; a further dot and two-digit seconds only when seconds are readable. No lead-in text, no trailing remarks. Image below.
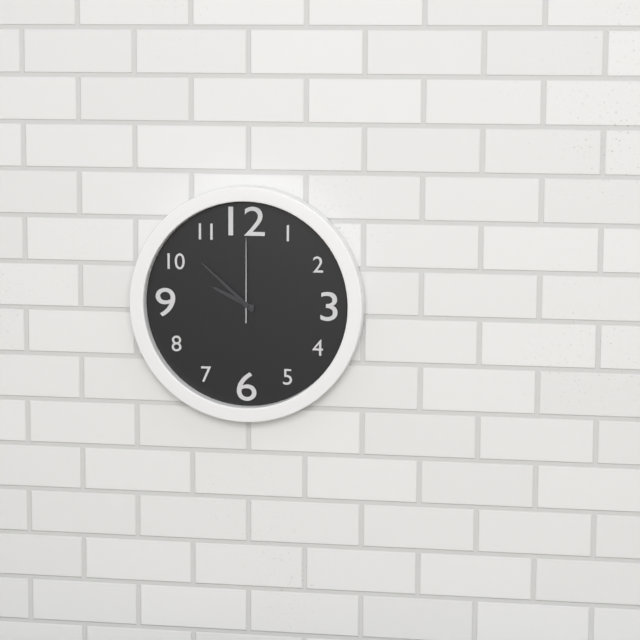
9.52.00
